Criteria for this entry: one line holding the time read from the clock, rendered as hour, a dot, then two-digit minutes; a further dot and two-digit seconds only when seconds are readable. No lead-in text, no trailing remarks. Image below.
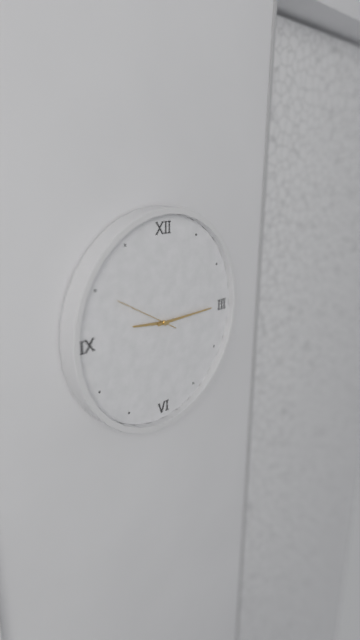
9.15.50
